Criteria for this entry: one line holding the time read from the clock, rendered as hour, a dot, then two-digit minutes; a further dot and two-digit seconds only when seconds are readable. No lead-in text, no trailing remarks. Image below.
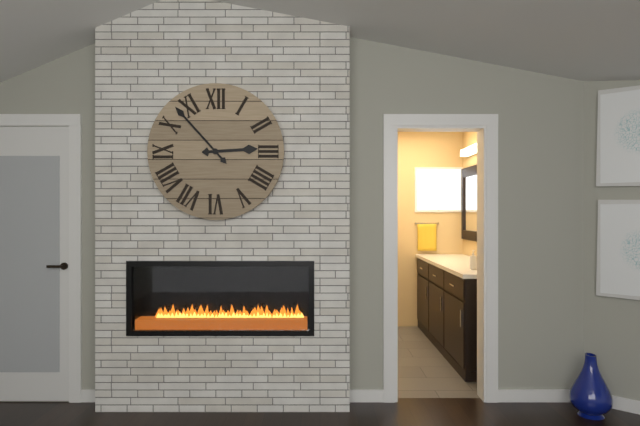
2.53
